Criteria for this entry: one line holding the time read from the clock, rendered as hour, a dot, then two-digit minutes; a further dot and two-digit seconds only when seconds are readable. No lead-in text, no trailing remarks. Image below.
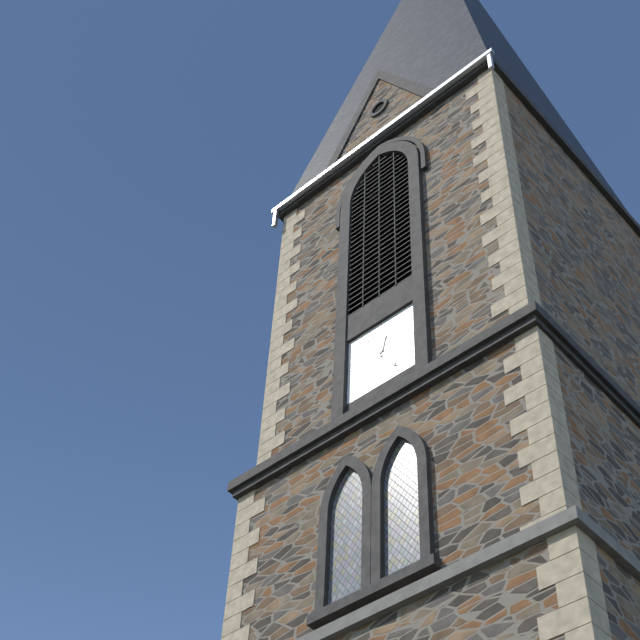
12.25
